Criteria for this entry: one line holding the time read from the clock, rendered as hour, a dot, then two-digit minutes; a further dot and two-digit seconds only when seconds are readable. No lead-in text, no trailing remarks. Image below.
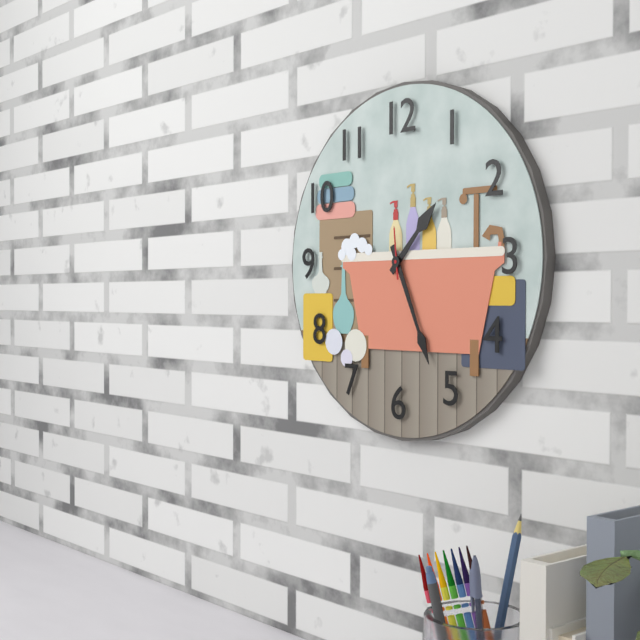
1.26
